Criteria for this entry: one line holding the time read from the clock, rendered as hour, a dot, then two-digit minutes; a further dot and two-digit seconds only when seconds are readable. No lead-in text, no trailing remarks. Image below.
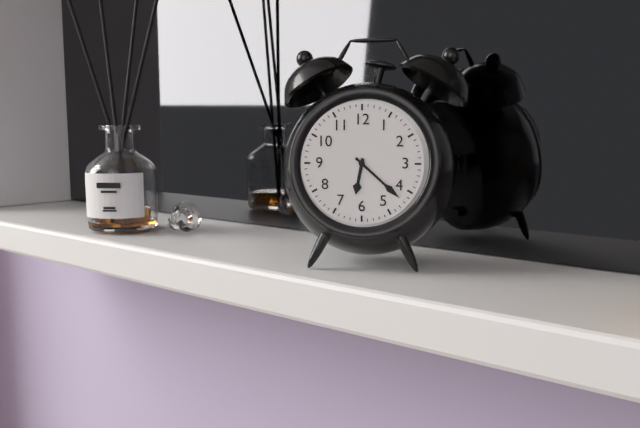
6.22
